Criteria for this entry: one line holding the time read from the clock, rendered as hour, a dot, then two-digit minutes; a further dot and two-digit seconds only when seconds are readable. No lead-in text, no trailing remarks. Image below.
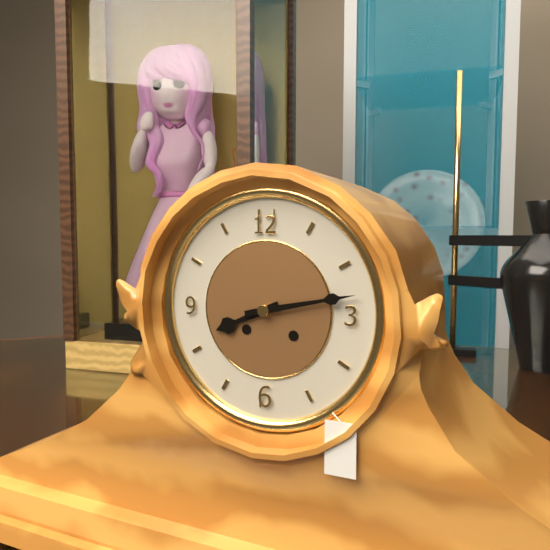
8.13
